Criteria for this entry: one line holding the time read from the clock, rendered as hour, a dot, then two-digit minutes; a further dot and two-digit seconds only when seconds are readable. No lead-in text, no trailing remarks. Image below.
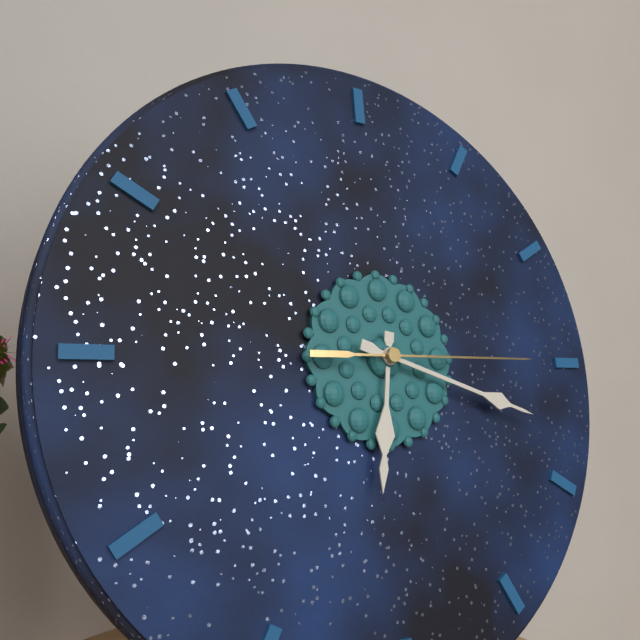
6.18.15
